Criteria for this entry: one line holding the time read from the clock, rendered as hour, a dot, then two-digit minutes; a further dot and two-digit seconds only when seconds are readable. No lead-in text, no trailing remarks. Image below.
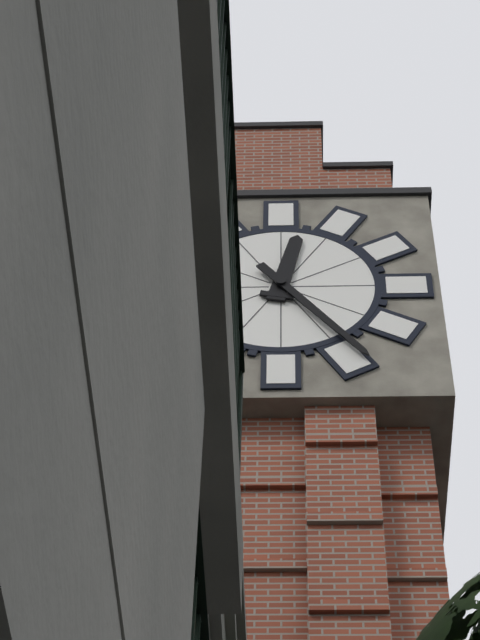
12.24
